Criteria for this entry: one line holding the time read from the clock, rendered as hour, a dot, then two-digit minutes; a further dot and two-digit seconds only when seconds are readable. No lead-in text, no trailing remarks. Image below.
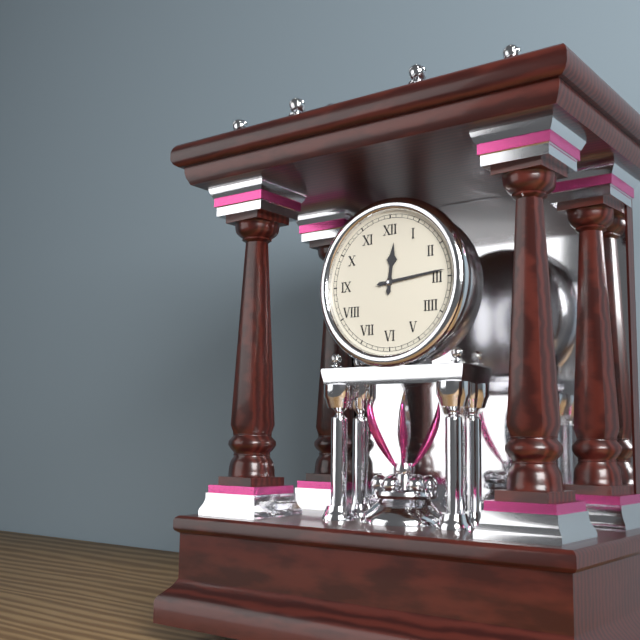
12.14
